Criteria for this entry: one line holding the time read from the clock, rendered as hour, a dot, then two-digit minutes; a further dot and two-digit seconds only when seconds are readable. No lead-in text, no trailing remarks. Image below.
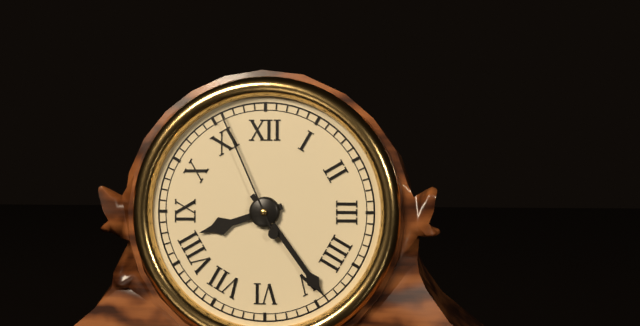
8.24.56
